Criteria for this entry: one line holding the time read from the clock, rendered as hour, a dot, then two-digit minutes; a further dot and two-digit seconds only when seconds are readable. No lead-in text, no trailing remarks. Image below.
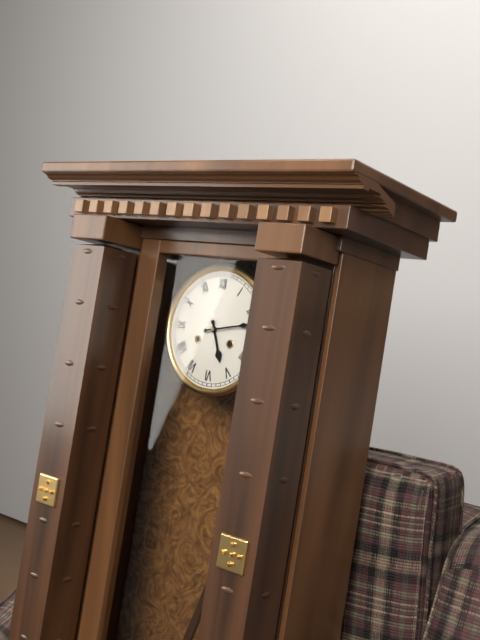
5.13
